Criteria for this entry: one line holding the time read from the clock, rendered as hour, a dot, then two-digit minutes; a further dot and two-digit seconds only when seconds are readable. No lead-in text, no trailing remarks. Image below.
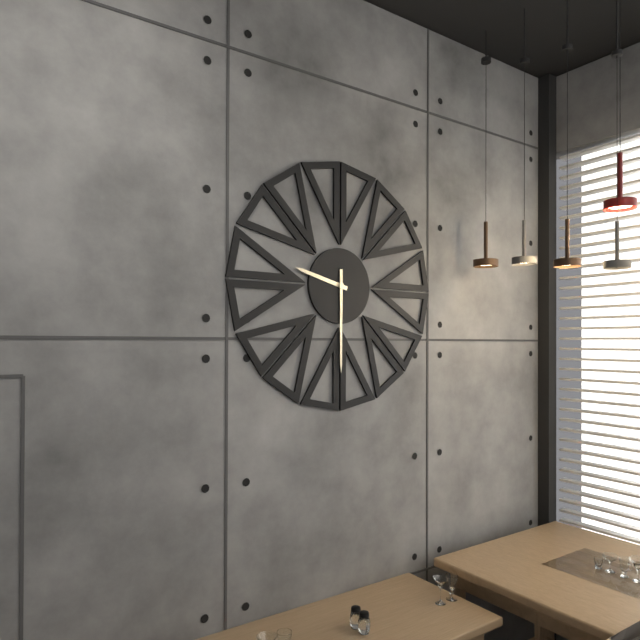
9.30
